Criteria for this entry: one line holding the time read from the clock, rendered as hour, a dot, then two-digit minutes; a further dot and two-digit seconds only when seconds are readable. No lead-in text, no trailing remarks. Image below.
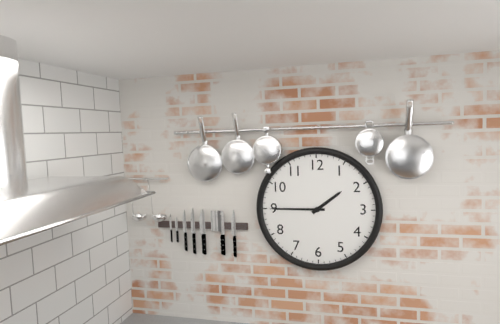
1.45
